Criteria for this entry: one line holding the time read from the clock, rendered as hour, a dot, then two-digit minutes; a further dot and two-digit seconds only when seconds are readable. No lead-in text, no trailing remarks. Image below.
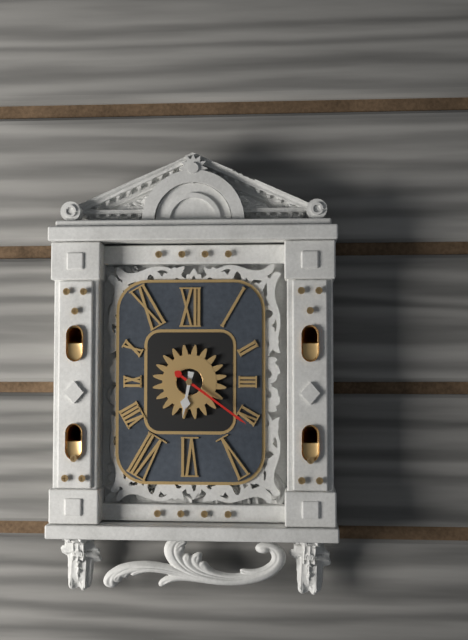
6.21
